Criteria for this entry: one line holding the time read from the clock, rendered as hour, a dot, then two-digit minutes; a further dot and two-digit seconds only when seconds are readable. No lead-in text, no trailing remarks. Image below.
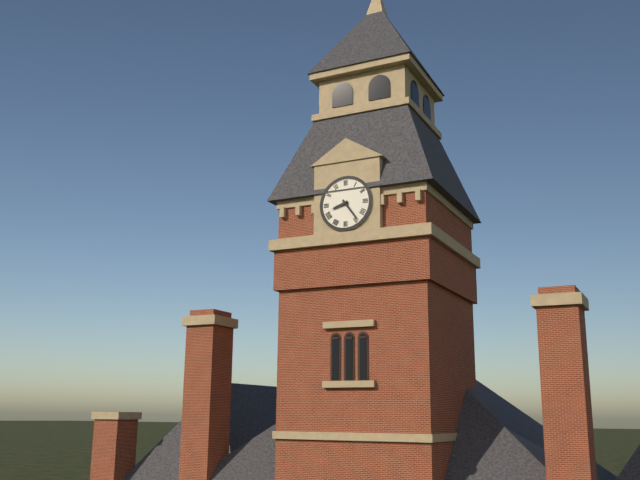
8.24
